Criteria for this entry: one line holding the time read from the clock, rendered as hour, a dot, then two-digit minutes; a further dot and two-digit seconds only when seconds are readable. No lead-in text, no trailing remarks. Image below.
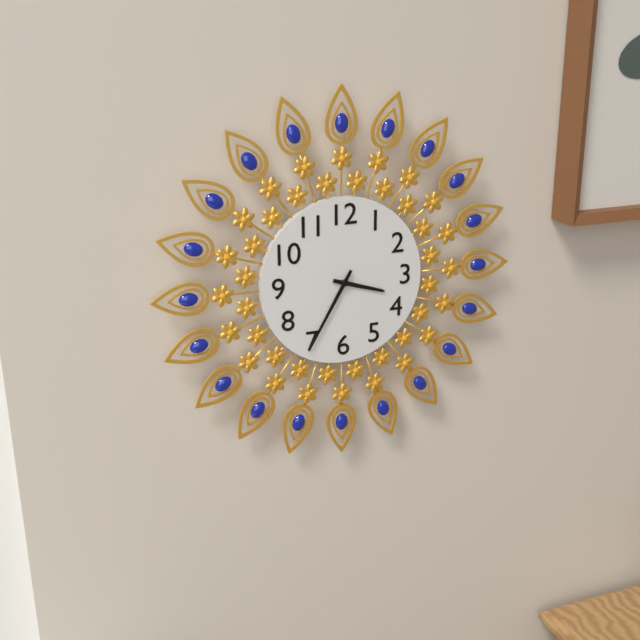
3.35
